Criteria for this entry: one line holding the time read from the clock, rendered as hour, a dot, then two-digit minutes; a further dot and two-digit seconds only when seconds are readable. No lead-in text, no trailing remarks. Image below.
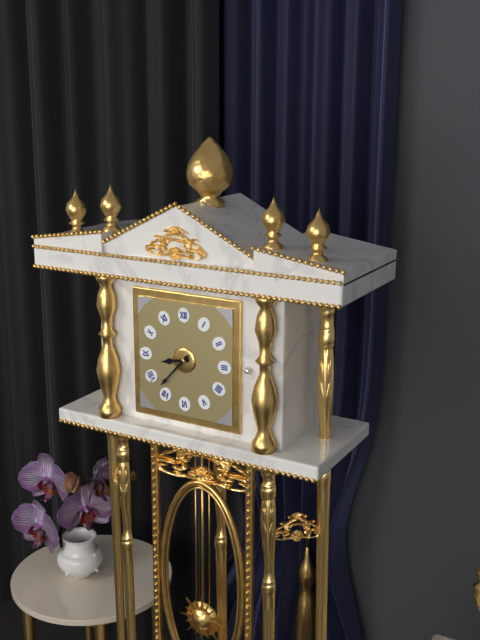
8.37
